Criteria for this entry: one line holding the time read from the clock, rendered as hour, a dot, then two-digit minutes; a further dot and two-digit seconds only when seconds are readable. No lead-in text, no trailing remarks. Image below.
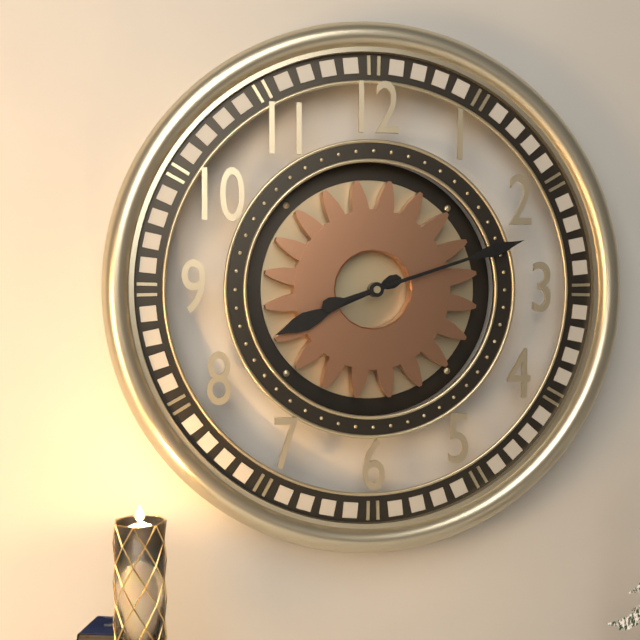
8.12
